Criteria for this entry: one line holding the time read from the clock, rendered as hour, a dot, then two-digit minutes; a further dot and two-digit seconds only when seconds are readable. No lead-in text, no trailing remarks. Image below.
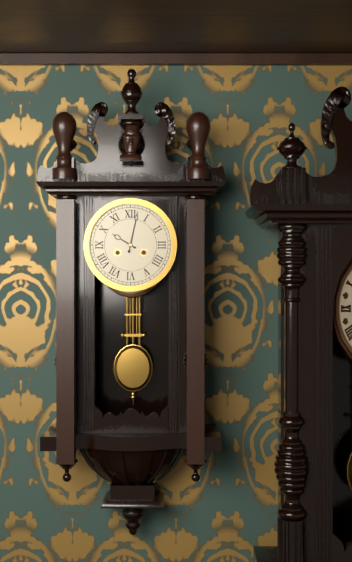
10.02
